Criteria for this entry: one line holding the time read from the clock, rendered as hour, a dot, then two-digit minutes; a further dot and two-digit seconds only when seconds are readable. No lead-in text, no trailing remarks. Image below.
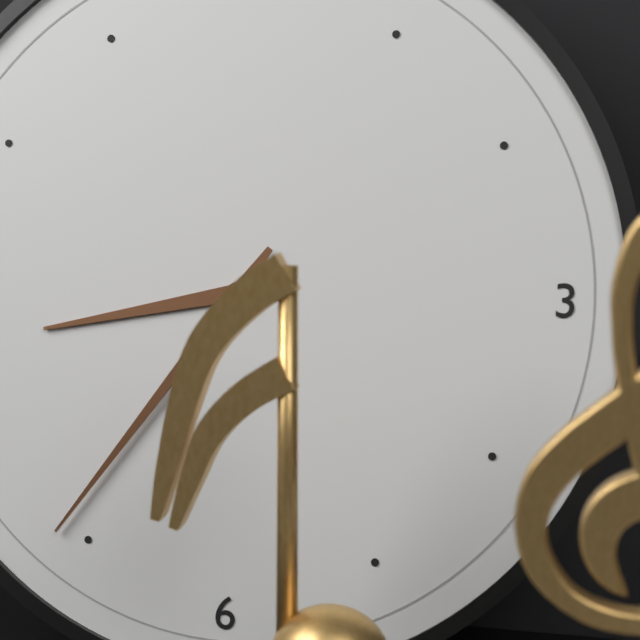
8.36
